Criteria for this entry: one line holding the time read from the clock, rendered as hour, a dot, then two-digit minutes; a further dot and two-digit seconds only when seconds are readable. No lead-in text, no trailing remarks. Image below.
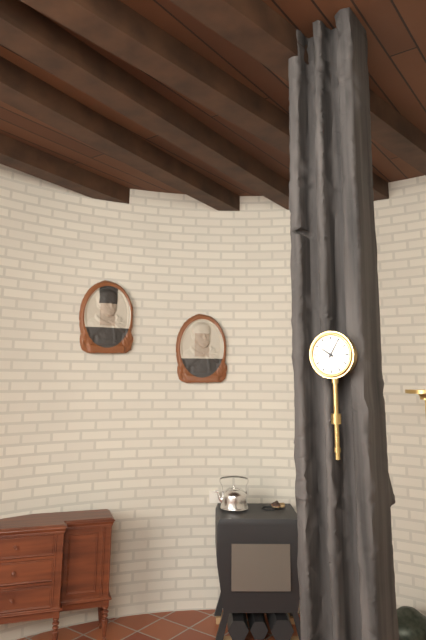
10.05
